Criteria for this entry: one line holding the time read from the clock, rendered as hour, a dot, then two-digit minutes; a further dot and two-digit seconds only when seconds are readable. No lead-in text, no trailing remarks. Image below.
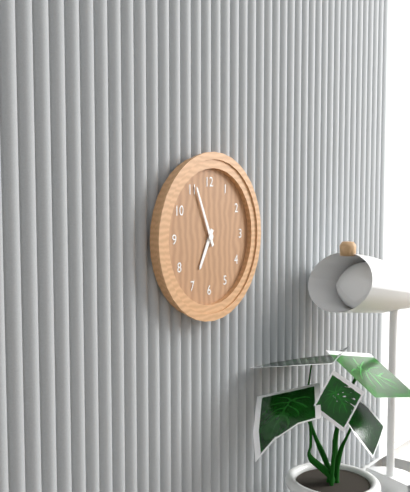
6.56
